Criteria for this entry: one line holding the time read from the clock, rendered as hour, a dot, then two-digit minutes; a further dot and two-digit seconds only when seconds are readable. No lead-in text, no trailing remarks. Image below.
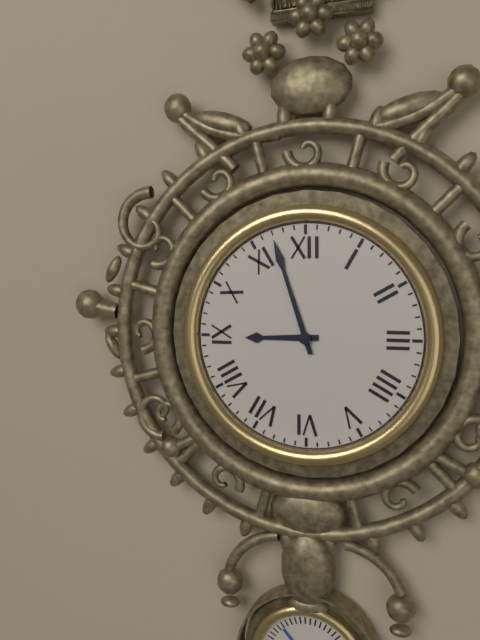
8.57
